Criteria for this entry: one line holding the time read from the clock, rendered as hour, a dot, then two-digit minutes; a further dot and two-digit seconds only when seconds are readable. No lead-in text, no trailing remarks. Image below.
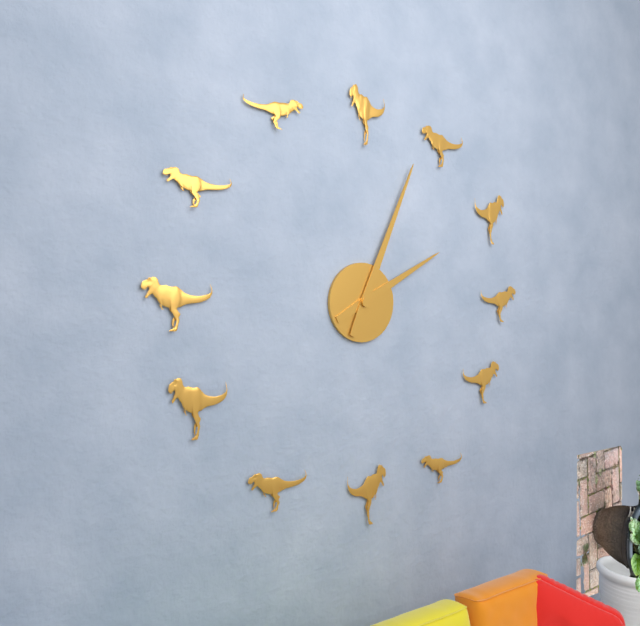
2.04
